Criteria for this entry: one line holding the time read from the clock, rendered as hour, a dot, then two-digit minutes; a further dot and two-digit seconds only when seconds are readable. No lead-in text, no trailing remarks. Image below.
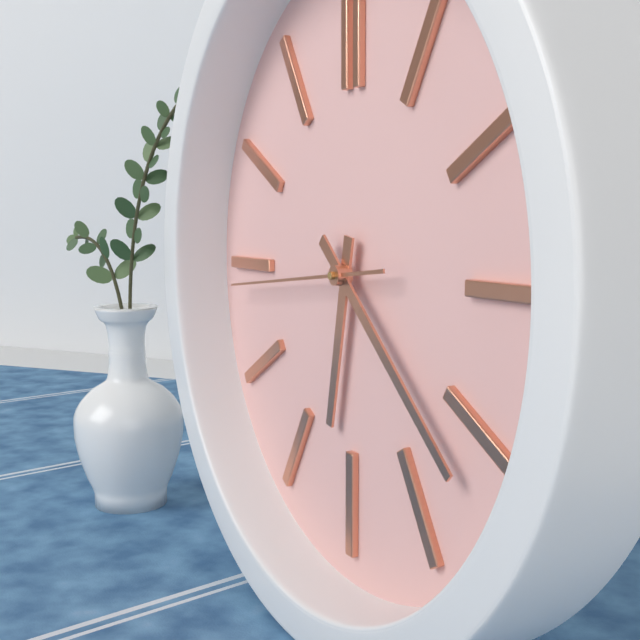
6.22.44
